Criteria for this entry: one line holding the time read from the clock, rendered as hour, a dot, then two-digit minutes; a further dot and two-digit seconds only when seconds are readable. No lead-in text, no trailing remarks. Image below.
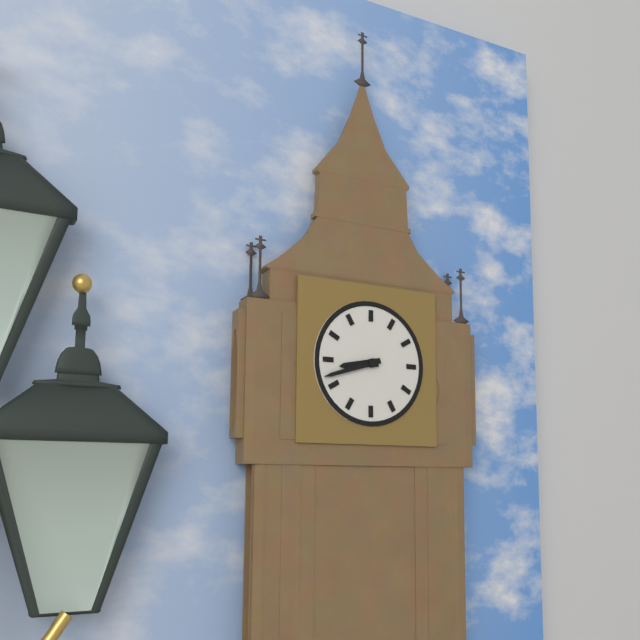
8.42
